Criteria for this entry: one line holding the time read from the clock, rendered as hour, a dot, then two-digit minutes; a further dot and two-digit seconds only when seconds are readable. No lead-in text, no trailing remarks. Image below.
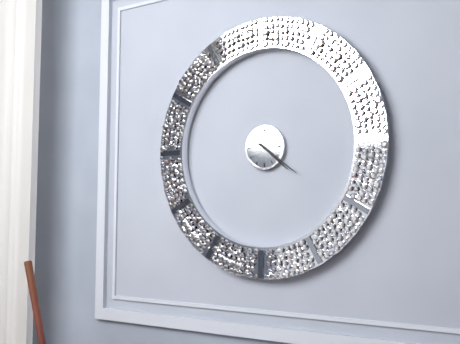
4.21
